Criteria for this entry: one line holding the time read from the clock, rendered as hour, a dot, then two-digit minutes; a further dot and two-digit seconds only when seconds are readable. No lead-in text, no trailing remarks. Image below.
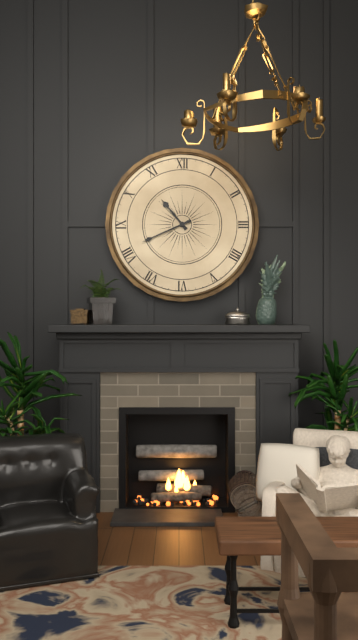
10.41
